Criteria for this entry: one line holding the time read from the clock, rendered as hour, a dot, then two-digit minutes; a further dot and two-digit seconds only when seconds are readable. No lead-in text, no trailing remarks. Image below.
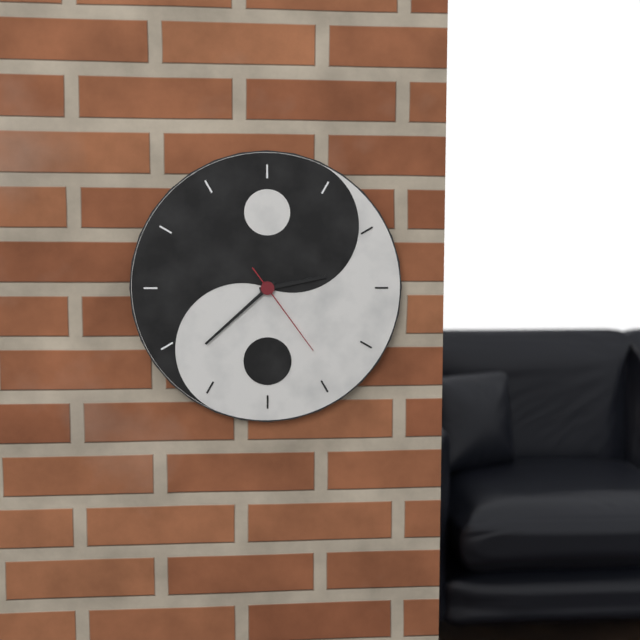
2.38.24
